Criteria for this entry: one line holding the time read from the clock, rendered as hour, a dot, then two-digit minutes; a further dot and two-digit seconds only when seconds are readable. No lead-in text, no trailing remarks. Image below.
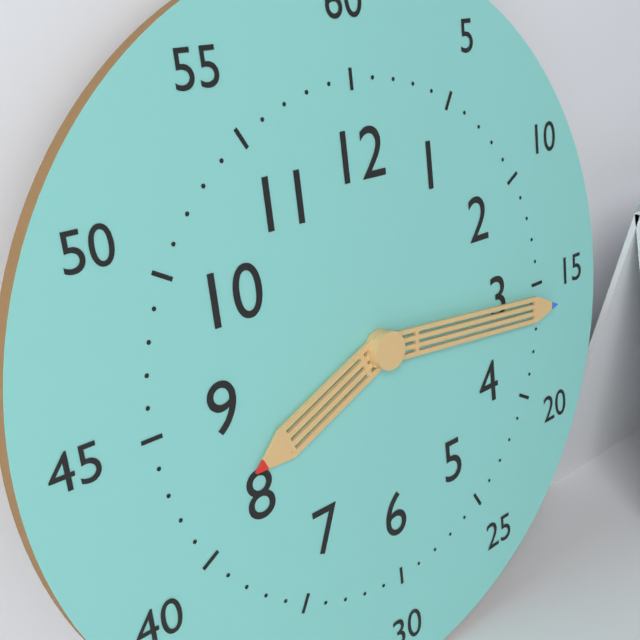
8.16
